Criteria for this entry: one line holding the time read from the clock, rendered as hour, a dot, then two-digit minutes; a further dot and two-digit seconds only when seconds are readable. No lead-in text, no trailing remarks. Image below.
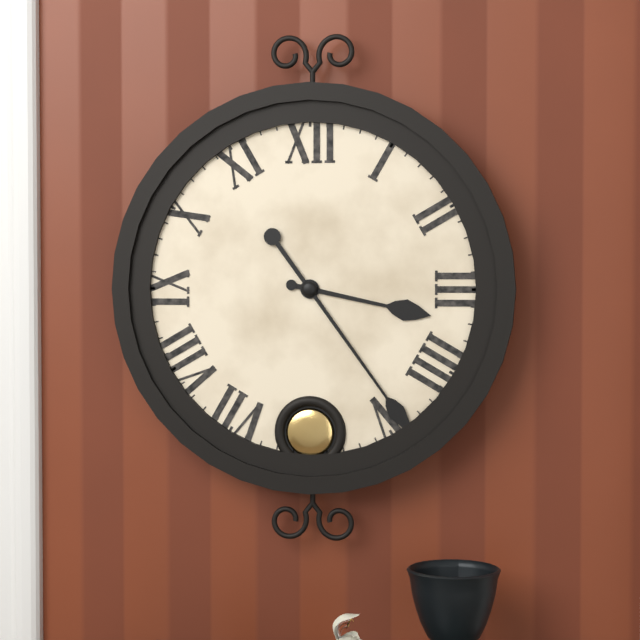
3.24
